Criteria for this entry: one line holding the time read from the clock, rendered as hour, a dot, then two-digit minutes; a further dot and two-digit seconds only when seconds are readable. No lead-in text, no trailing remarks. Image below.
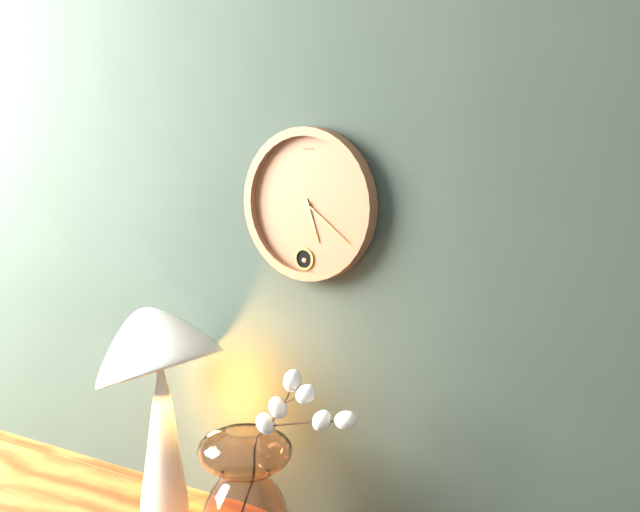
5.21
